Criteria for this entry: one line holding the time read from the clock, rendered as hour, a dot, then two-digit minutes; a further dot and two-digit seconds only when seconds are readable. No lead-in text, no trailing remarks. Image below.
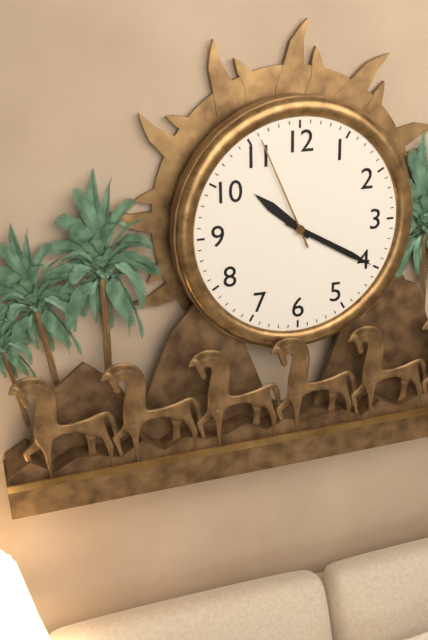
10.20.56
